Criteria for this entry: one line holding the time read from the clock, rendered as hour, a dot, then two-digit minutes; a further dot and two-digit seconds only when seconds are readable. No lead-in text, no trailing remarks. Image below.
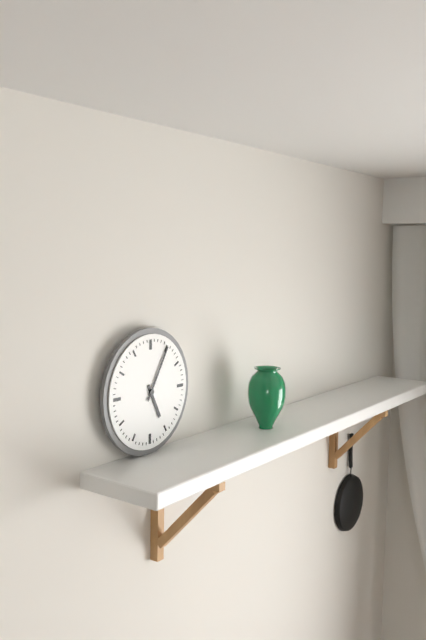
5.05
